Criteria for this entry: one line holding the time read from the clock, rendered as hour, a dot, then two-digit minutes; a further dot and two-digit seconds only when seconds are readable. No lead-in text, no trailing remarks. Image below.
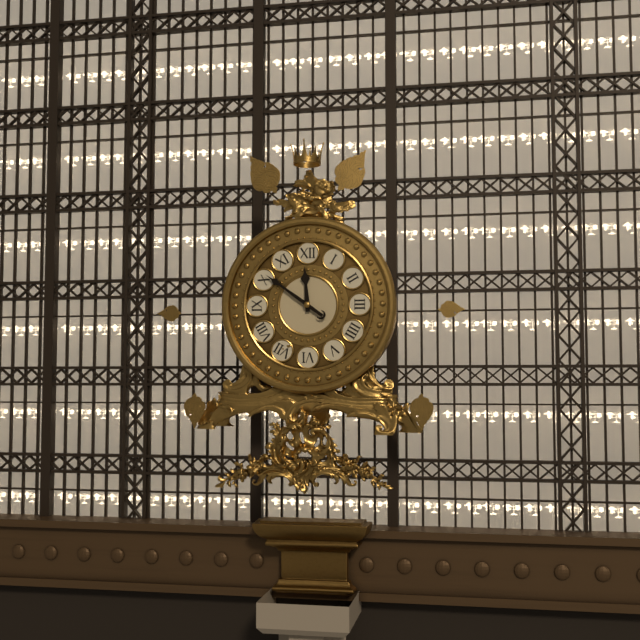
11.51
